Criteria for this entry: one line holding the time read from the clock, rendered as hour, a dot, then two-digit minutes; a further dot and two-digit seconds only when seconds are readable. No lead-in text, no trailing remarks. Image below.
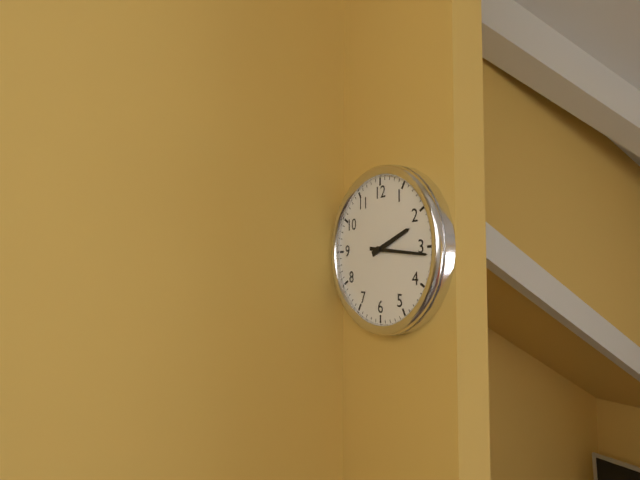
2.16
